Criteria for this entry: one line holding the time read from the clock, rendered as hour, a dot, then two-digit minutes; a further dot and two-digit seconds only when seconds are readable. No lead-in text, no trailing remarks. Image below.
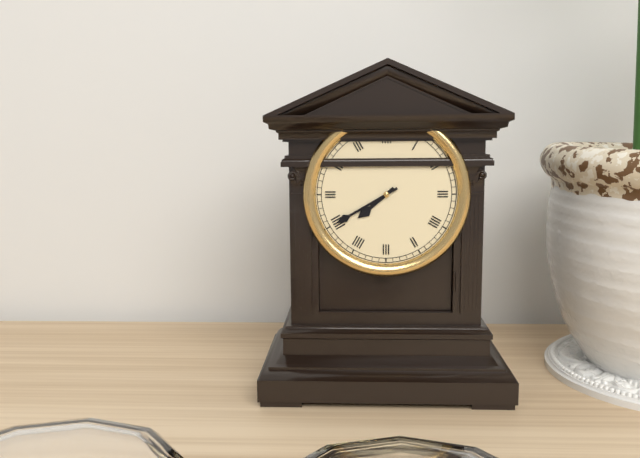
7.40
